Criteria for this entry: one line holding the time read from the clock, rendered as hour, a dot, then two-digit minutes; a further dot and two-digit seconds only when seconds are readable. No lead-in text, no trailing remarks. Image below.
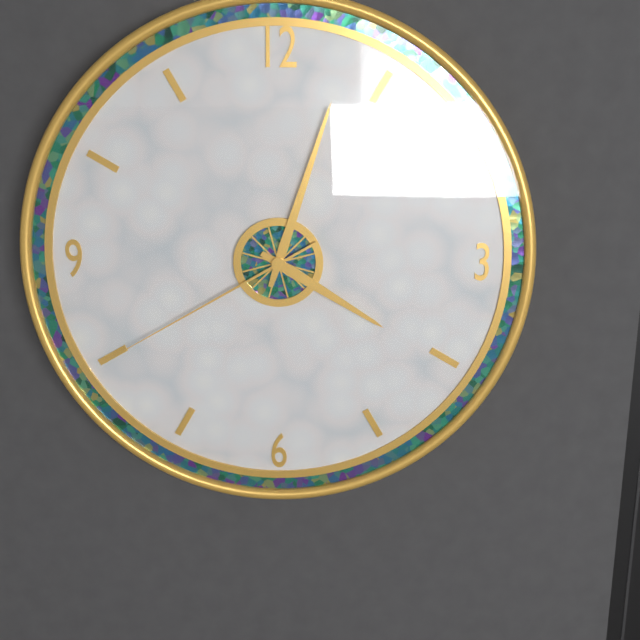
4.03.40
